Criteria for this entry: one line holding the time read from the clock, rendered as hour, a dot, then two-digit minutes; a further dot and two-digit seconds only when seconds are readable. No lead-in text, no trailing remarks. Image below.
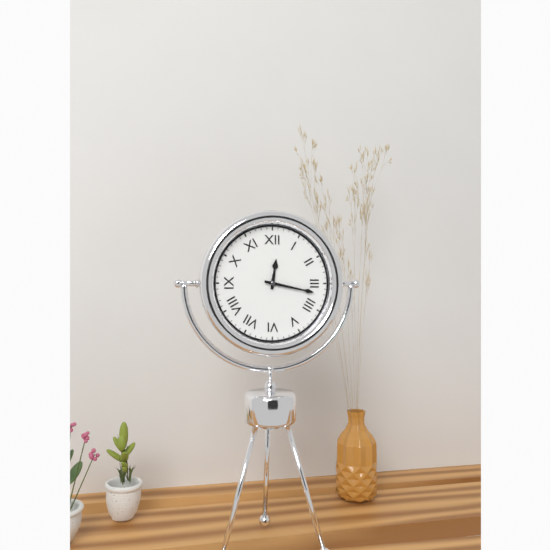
12.17
